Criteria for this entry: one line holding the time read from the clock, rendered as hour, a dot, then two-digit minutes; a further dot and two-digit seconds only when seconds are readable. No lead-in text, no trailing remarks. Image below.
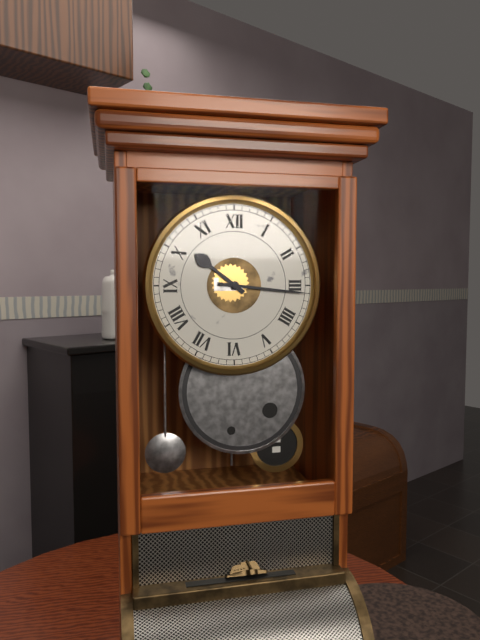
10.16
